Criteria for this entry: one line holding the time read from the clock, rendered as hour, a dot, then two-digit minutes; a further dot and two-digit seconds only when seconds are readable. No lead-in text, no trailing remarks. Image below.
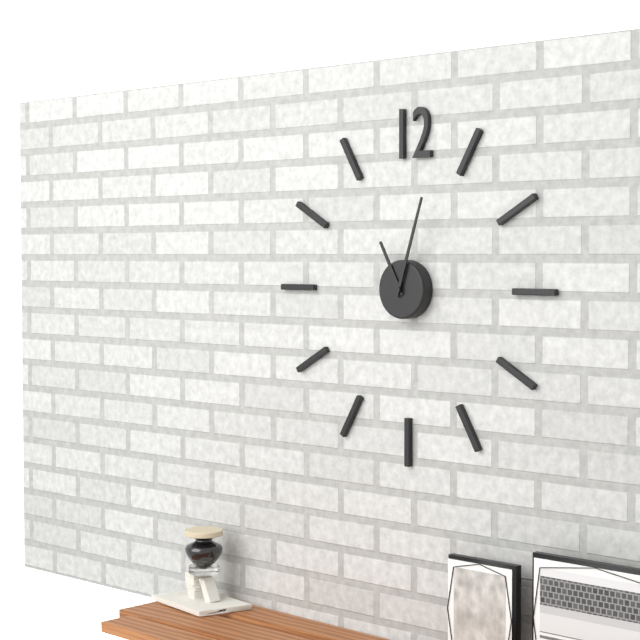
11.03
